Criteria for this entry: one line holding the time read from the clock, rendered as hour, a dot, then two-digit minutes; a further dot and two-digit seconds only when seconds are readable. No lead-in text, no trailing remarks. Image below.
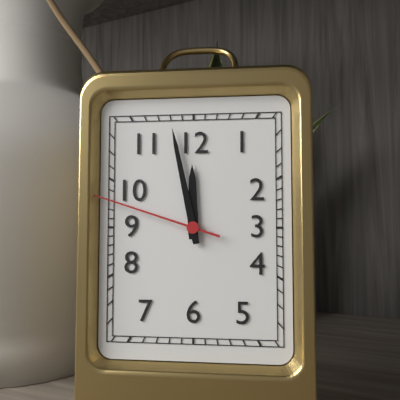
11.58.48
